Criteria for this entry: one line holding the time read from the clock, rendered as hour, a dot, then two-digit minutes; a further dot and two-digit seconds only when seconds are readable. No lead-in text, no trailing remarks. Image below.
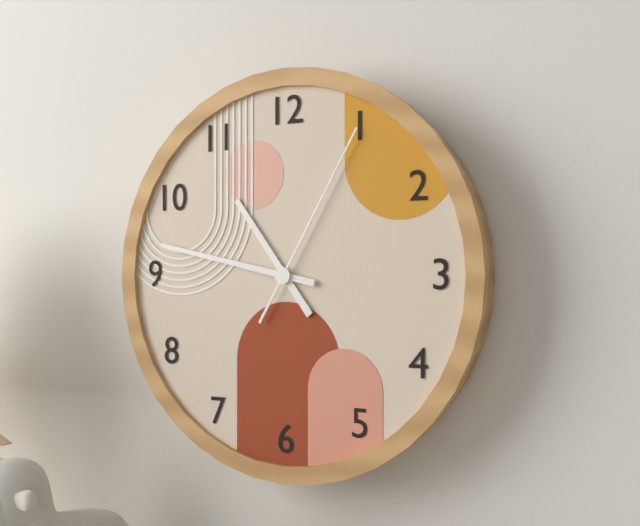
10.47.05
